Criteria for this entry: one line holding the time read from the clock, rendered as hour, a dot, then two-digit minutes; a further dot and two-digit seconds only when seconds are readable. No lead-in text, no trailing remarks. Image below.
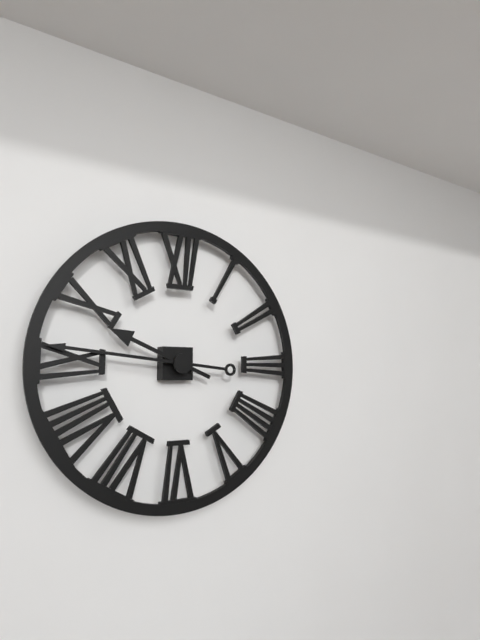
9.46
